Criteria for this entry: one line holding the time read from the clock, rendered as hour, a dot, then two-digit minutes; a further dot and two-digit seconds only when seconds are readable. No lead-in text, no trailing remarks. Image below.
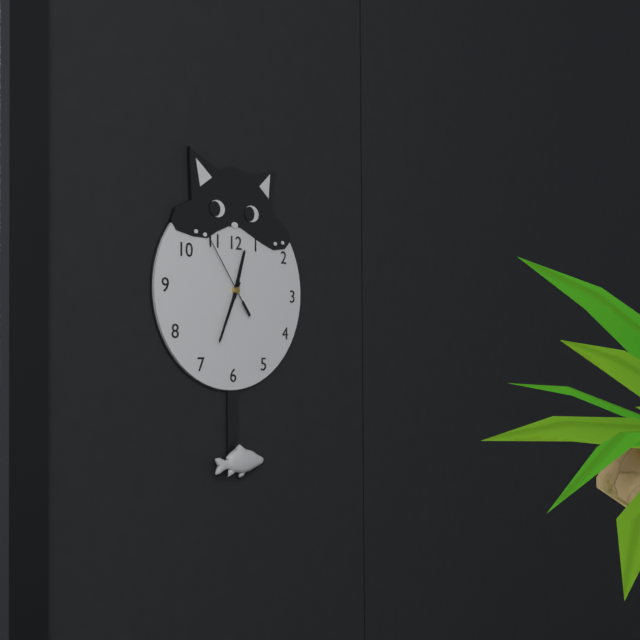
12.34.54
